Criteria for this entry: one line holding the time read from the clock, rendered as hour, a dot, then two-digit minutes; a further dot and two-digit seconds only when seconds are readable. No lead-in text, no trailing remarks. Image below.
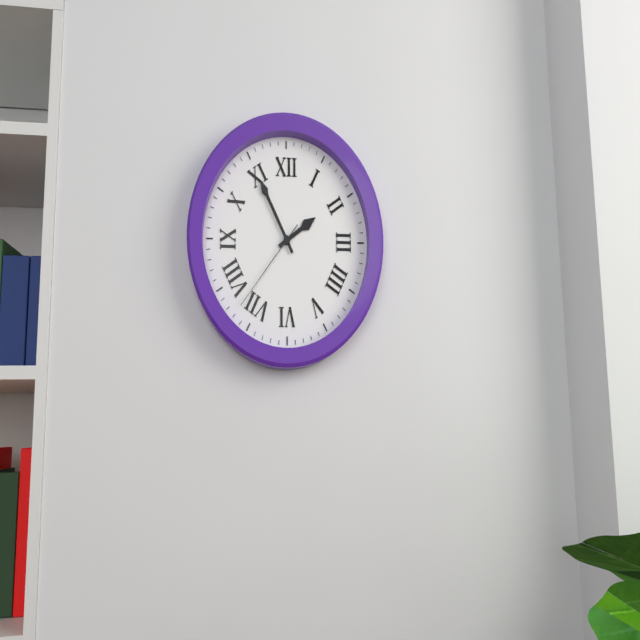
1.55.37
